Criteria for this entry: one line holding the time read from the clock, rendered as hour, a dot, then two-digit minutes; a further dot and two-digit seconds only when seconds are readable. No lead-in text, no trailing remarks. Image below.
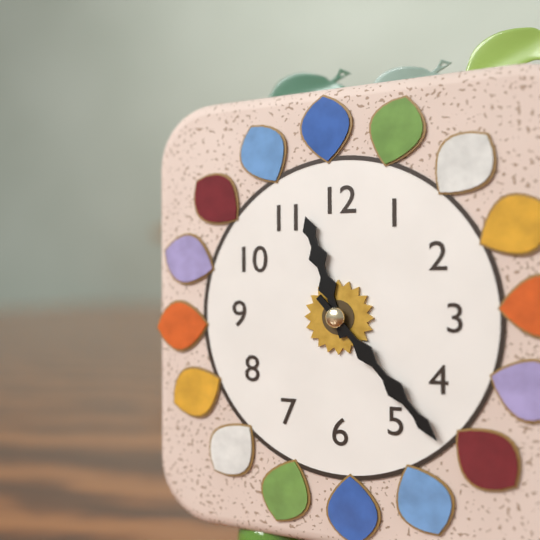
11.23
